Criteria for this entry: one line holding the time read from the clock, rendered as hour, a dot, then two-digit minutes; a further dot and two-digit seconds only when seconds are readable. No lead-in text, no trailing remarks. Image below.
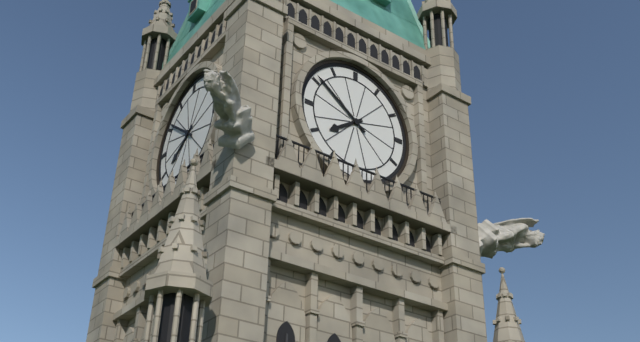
7.51
